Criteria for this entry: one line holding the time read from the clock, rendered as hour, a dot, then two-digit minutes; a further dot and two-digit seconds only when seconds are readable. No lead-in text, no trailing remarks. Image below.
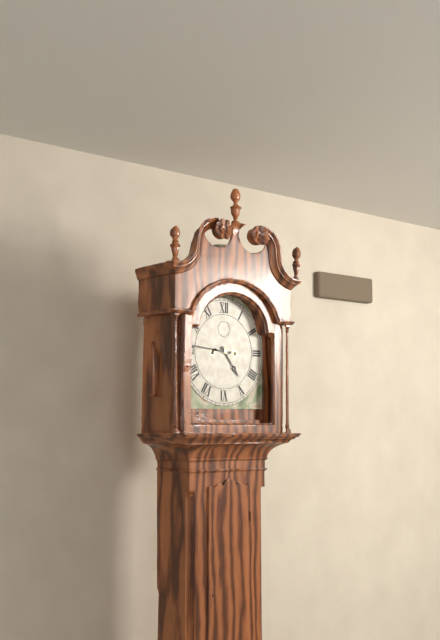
4.46
